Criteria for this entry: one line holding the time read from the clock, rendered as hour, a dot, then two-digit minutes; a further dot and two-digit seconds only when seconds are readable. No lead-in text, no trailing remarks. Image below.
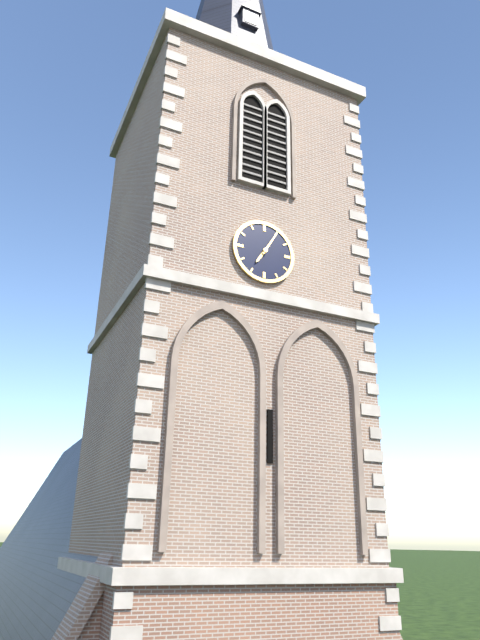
7.05
